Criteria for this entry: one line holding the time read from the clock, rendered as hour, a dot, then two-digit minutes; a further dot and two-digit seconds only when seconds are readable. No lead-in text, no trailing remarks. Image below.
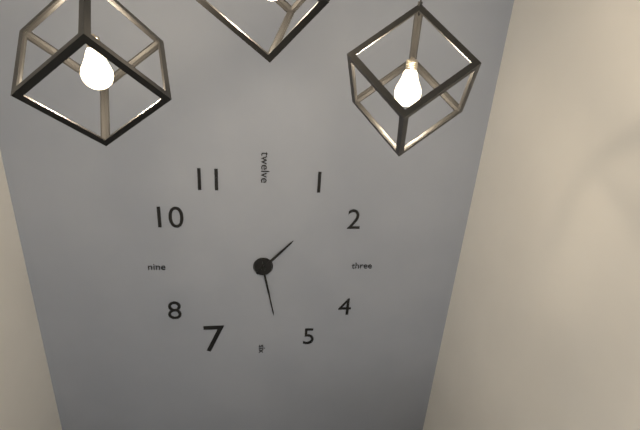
1.28
